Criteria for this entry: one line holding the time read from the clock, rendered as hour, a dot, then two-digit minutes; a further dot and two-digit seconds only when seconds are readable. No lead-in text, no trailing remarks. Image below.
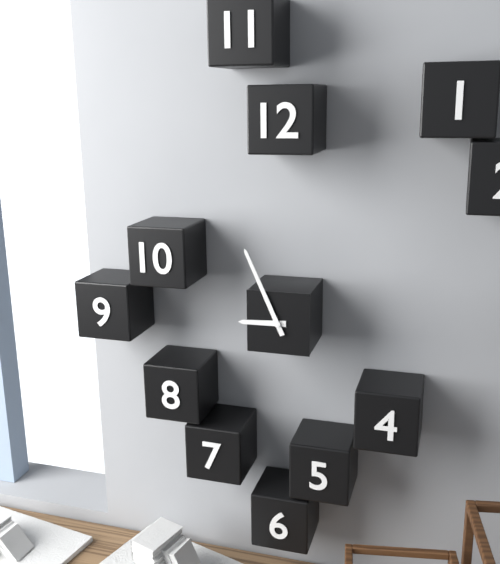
8.56
